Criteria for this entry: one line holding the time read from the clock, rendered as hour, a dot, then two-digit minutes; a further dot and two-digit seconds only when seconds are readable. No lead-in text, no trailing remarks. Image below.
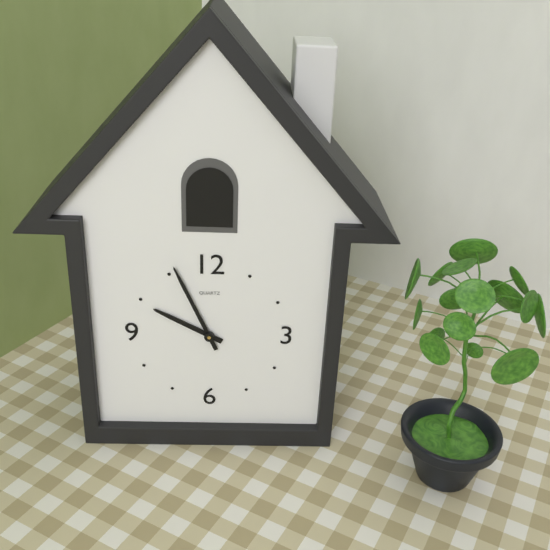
9.56
